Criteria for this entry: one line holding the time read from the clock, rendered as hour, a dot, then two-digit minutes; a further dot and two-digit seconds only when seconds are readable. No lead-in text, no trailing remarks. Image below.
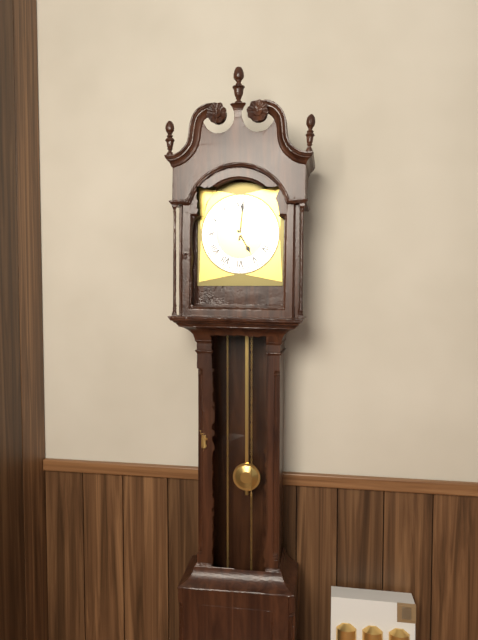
5.01
